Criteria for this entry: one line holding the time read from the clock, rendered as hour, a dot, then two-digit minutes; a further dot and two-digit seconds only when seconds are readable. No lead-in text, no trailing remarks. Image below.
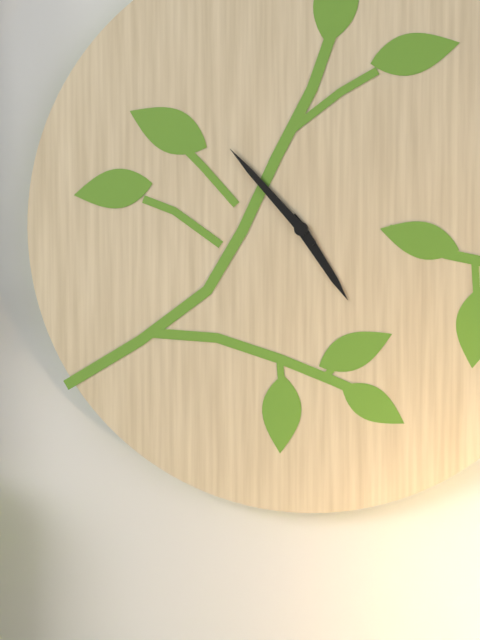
4.53
